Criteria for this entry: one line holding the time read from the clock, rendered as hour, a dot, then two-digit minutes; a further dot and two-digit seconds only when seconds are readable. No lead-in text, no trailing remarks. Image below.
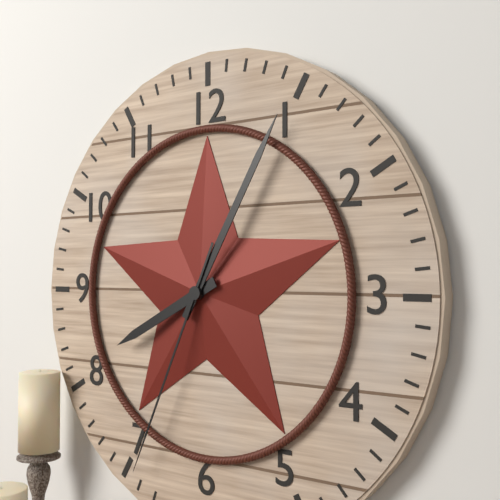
8.05.34
